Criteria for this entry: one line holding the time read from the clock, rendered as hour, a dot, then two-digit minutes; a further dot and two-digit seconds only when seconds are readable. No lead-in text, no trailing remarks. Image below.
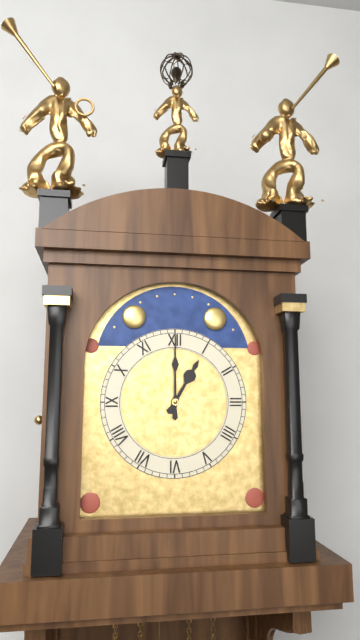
1.00
